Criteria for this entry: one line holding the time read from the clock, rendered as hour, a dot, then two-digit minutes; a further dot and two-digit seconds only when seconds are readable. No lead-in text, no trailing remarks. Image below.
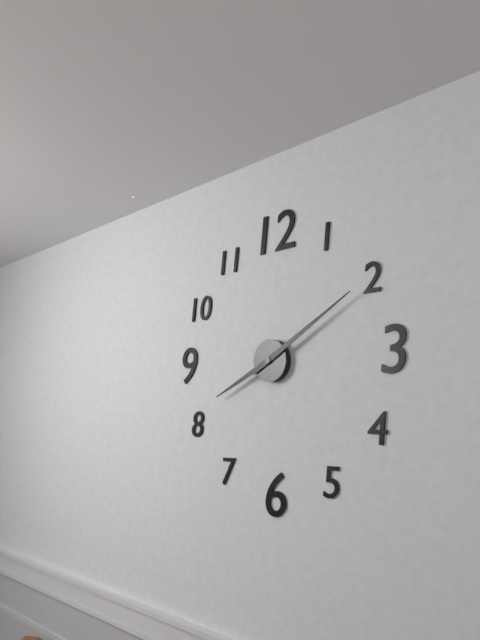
8.10
